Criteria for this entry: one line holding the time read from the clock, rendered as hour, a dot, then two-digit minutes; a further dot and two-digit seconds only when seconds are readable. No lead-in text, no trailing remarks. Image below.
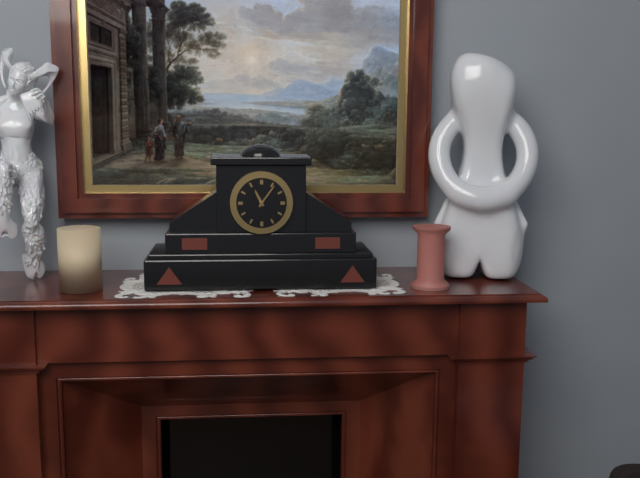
11.06
